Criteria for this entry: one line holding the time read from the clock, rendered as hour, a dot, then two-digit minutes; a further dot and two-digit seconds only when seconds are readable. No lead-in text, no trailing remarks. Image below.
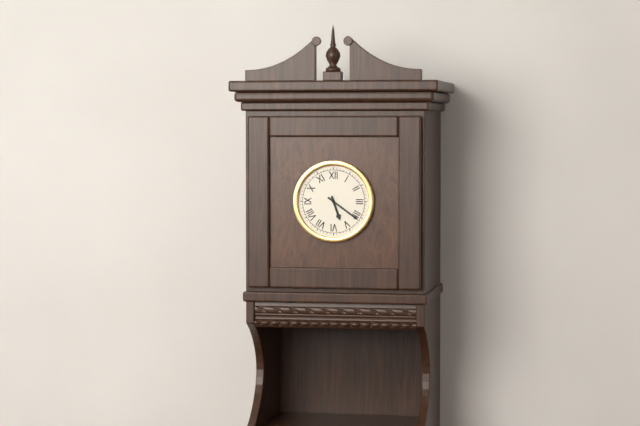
5.21
